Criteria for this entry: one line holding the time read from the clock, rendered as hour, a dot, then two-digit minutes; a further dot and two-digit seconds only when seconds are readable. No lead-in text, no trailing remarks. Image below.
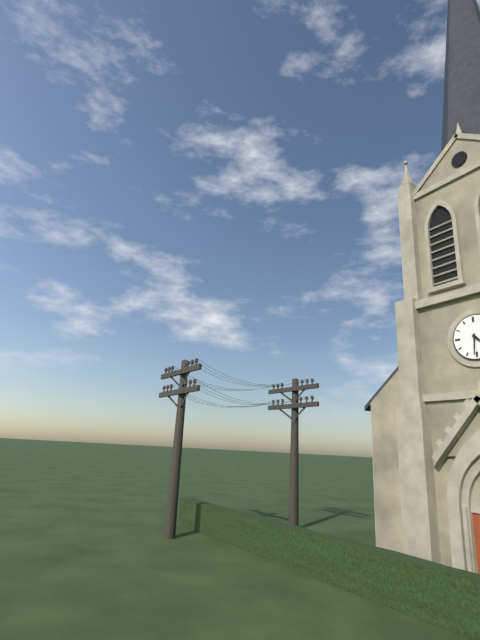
4.31
